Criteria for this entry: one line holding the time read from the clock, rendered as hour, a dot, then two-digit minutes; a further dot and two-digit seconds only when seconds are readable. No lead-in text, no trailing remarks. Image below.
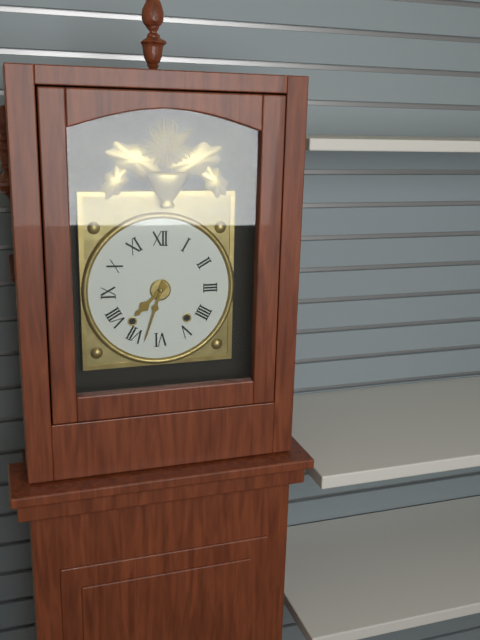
7.33
